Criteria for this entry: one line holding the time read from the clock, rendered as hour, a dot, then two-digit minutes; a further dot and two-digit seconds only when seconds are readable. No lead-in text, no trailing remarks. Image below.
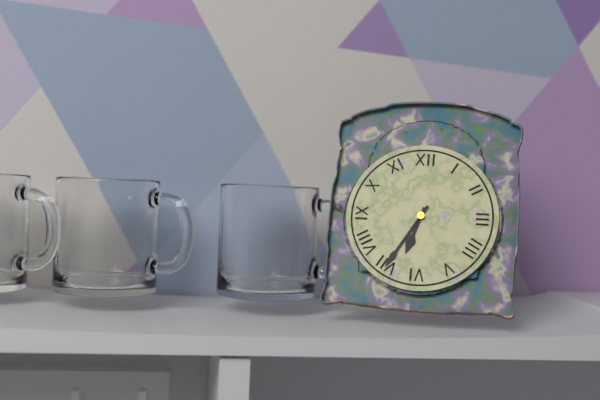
6.35
